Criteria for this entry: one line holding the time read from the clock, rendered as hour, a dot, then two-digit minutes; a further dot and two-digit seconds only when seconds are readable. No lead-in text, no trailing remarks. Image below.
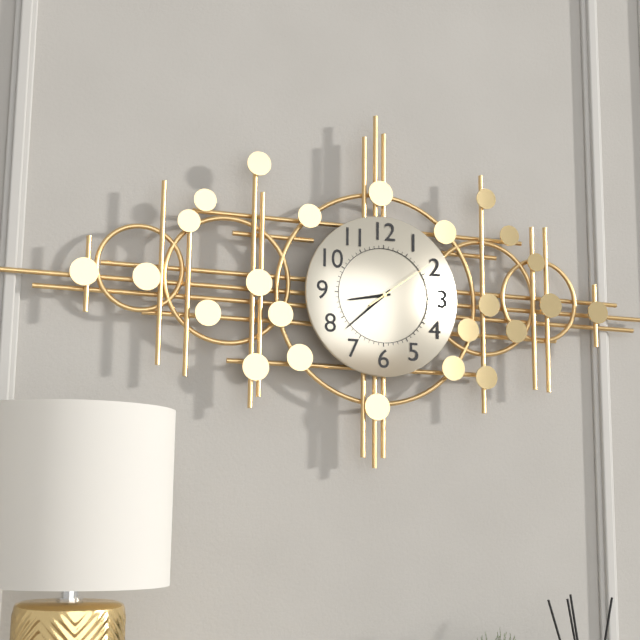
8.38.09
